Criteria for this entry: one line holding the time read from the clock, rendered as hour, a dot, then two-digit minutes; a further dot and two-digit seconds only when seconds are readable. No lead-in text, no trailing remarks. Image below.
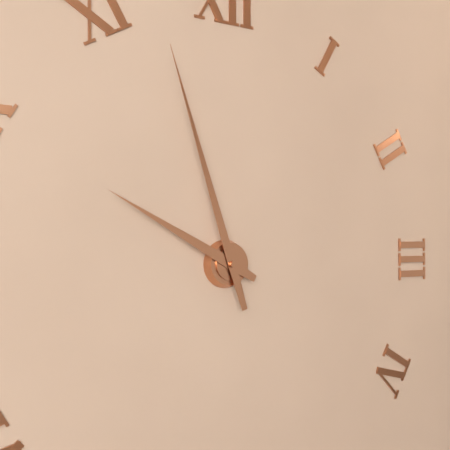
9.57
